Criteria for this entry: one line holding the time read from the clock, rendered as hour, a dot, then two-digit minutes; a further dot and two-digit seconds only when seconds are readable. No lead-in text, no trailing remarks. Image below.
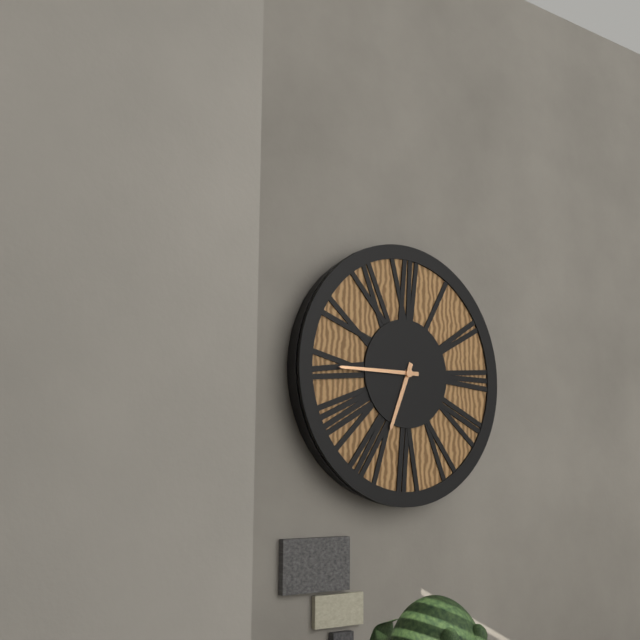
6.45
